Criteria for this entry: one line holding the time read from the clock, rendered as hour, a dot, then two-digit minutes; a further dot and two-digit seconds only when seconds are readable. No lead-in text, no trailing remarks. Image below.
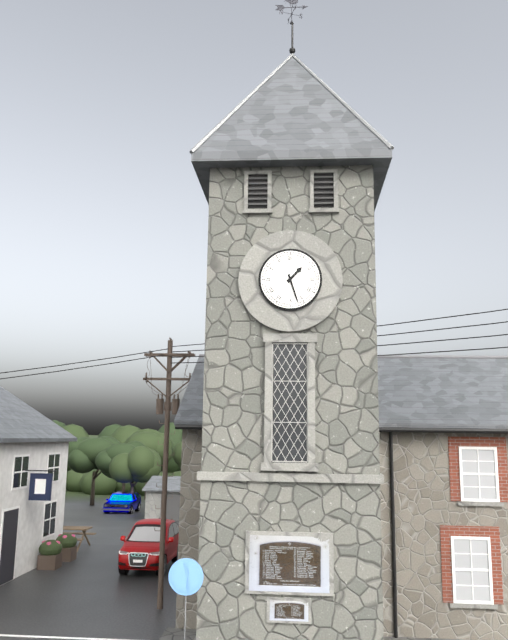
1.27
